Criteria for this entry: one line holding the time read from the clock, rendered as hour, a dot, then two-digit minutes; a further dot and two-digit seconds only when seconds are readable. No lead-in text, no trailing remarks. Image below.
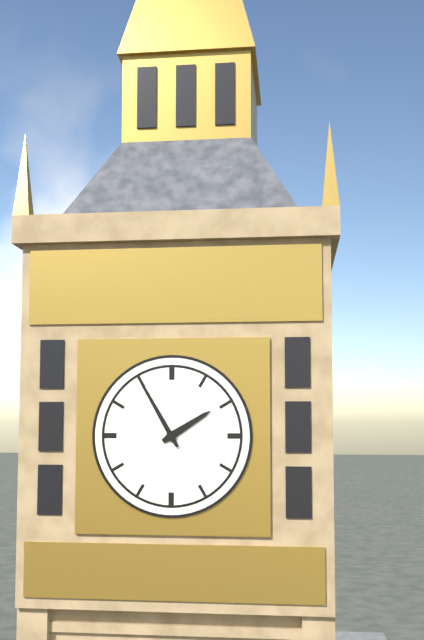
1.55
